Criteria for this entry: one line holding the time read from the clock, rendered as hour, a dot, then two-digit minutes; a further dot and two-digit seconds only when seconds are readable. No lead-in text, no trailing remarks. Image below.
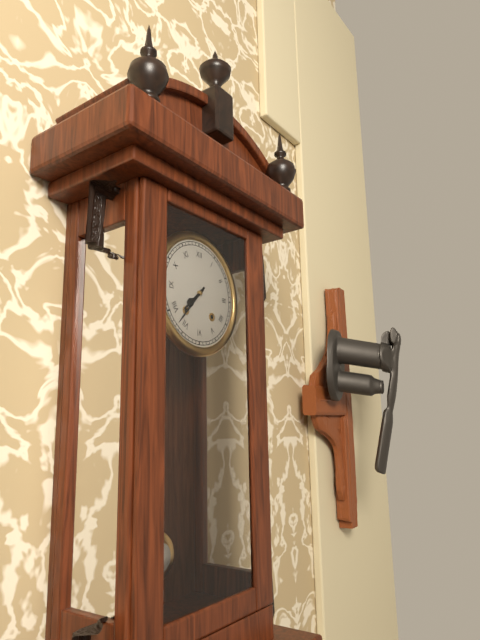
7.37
